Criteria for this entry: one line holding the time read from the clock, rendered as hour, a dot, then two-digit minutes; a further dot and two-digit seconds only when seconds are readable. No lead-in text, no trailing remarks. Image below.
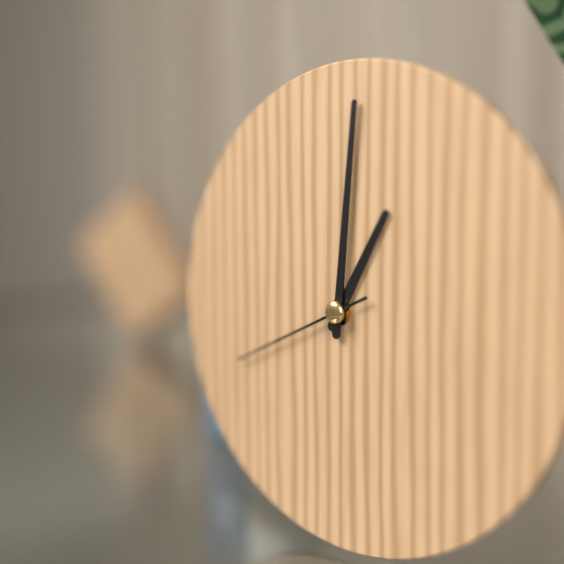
1.01.41
